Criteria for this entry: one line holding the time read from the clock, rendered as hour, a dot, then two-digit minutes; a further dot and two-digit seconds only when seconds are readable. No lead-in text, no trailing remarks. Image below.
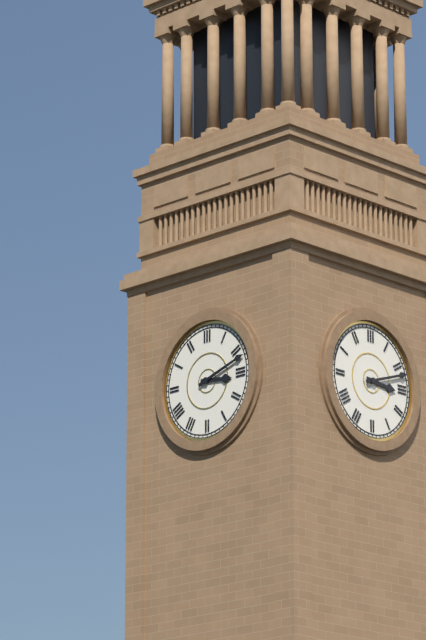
3.12
